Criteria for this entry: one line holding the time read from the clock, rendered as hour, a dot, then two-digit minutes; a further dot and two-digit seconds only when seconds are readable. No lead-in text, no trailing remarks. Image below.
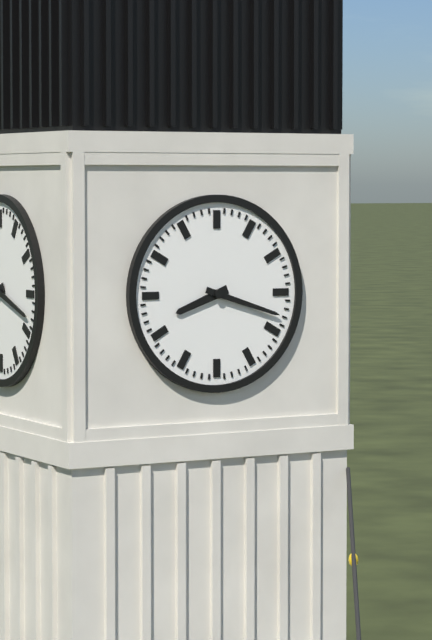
8.18
